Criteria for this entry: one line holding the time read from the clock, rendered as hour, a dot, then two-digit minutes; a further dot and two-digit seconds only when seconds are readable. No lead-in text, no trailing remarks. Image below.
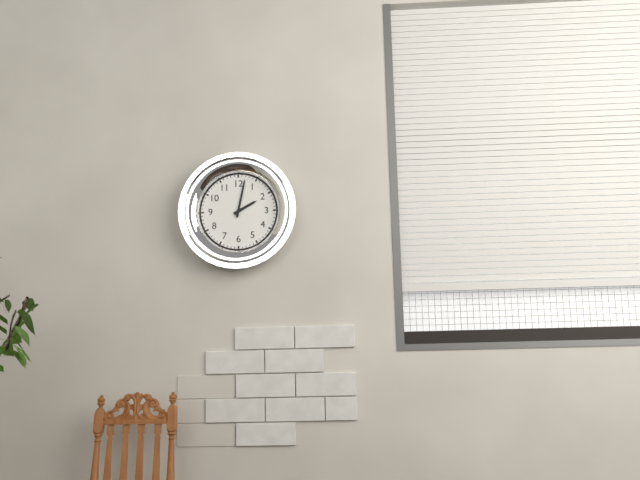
2.02
